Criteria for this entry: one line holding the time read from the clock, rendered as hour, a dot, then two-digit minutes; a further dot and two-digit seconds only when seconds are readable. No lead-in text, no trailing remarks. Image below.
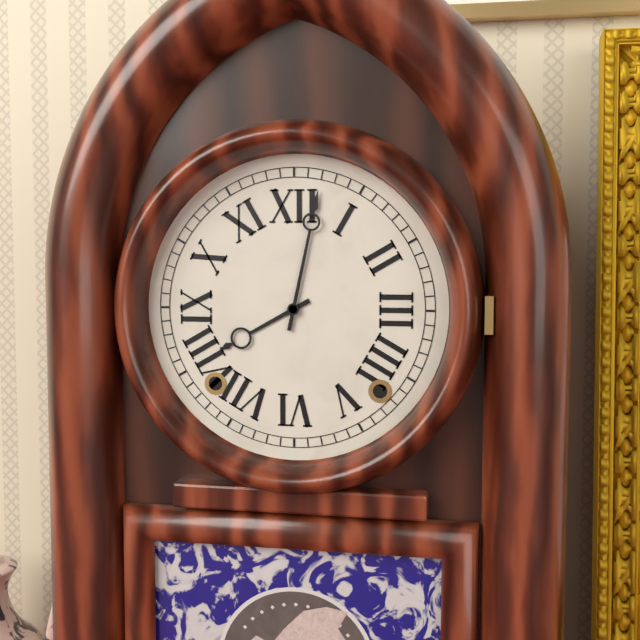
8.02
